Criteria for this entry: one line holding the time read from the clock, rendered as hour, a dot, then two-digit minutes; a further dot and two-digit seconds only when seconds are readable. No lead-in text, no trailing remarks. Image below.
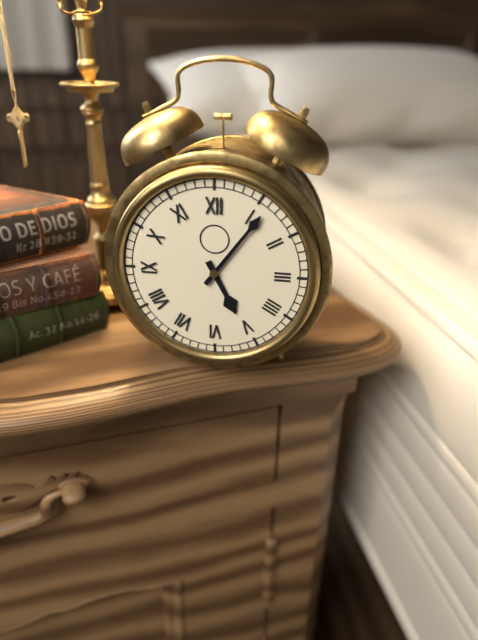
5.06
